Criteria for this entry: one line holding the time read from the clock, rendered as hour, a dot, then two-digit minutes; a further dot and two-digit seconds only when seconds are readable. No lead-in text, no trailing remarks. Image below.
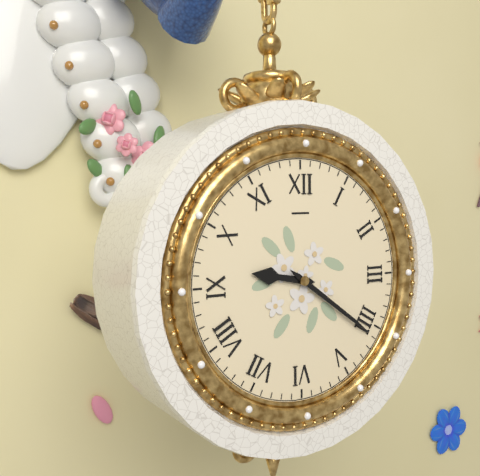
9.21
